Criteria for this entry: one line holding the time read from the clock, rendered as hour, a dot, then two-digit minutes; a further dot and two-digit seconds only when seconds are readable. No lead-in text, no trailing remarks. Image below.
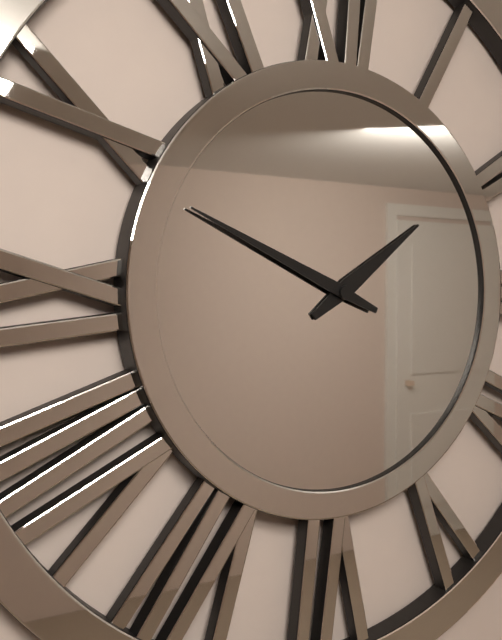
1.49
